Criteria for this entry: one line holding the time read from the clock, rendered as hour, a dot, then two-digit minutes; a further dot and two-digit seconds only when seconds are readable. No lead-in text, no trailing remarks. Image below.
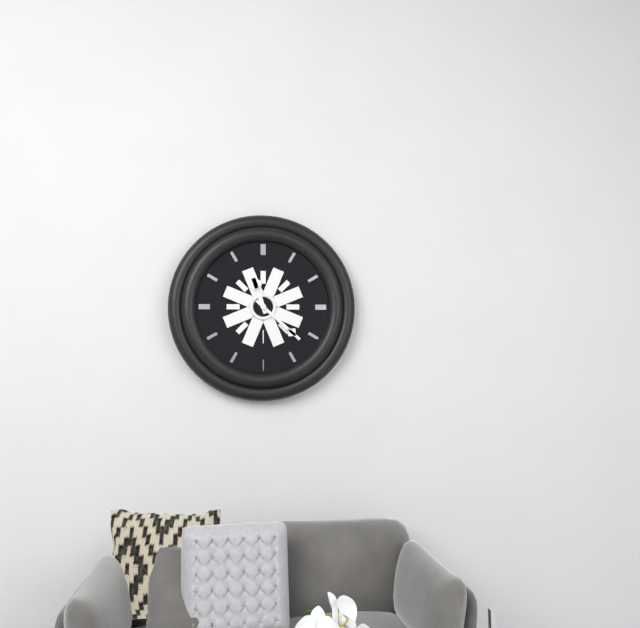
11.22
